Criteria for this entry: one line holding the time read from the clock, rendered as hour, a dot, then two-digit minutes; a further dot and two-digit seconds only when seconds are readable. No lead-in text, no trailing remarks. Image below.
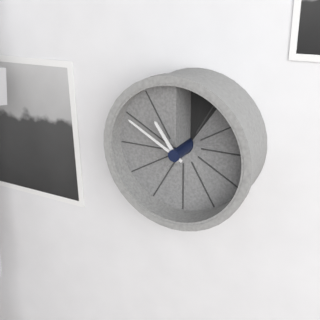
10.50
